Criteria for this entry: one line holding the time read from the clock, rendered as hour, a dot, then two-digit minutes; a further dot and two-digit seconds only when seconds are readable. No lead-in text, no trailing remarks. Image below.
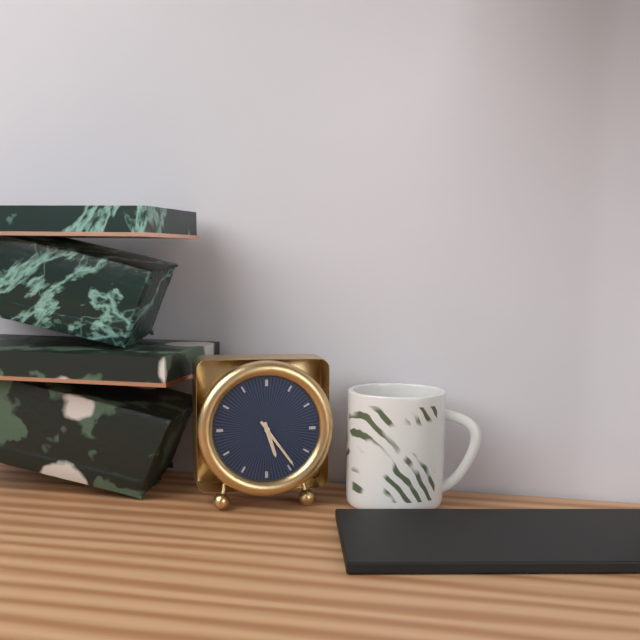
5.24
